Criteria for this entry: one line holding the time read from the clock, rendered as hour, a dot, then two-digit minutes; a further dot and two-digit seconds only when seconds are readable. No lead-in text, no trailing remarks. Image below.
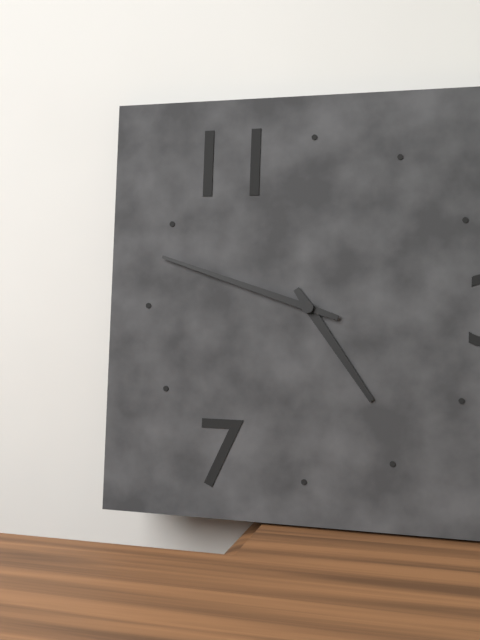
4.48
